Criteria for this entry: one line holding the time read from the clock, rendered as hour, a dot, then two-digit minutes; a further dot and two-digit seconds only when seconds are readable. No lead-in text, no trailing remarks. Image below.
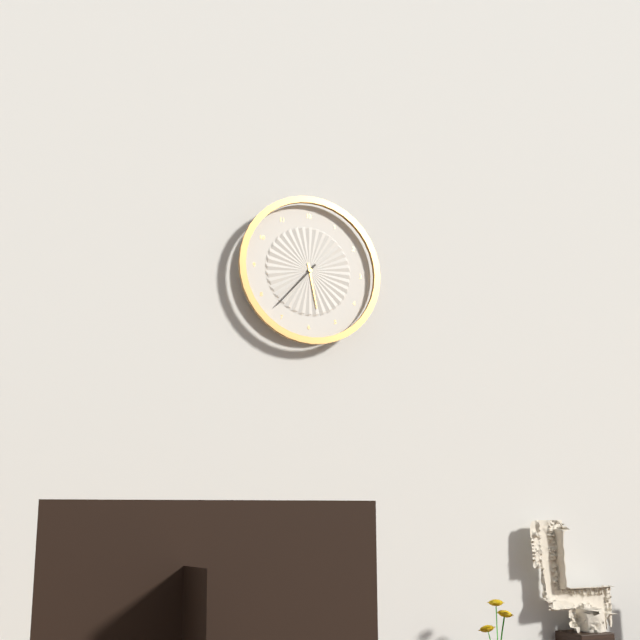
5.37
